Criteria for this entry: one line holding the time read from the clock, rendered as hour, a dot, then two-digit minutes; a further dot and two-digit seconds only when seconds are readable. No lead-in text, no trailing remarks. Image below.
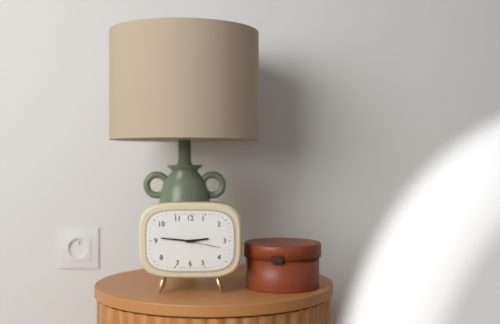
2.46
